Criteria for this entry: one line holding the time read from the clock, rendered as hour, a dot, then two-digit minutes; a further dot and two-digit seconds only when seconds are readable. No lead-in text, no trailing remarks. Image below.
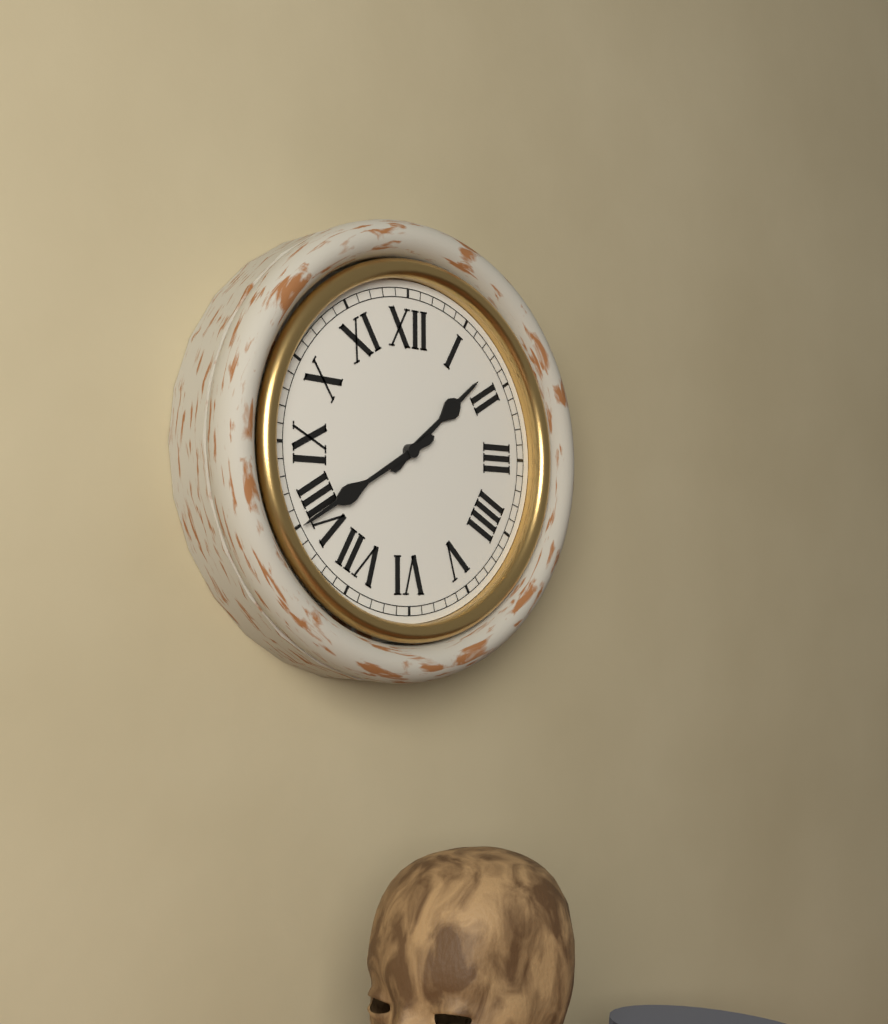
1.40
